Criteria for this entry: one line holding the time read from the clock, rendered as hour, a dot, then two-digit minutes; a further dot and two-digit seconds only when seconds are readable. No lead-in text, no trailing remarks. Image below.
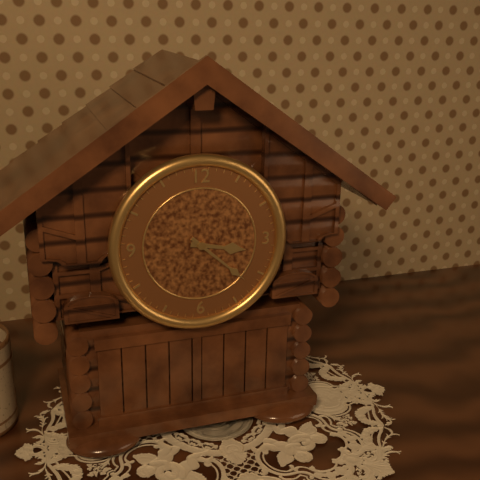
3.22
